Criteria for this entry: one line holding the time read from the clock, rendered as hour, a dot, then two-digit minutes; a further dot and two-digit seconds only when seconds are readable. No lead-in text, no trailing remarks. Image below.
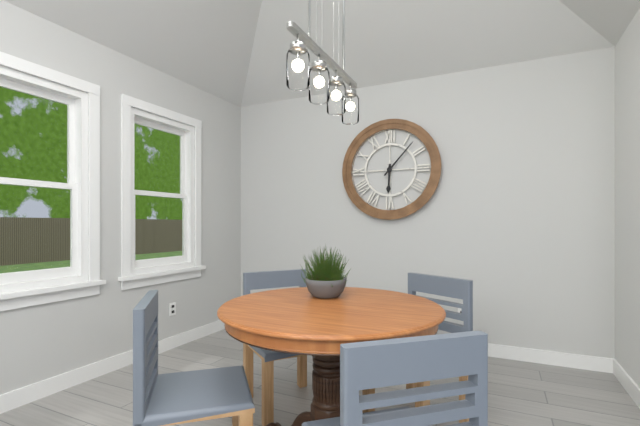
6.07
